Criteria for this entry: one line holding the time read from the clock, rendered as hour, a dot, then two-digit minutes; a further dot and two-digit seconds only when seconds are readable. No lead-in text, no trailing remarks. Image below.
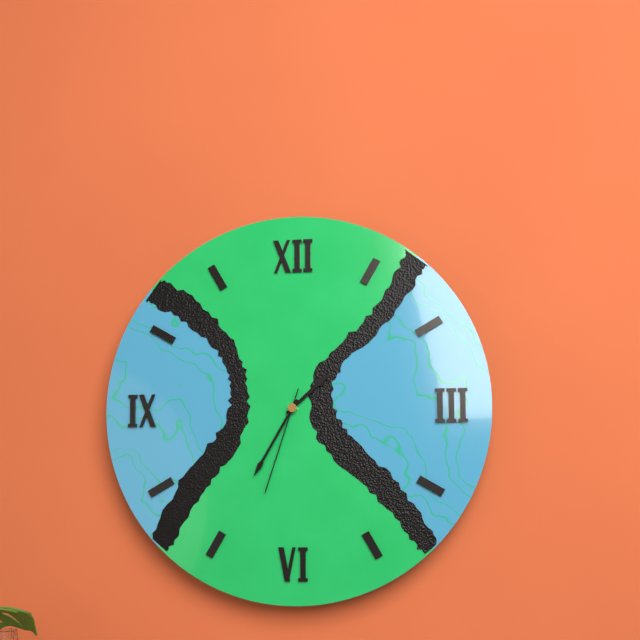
1.35.33
